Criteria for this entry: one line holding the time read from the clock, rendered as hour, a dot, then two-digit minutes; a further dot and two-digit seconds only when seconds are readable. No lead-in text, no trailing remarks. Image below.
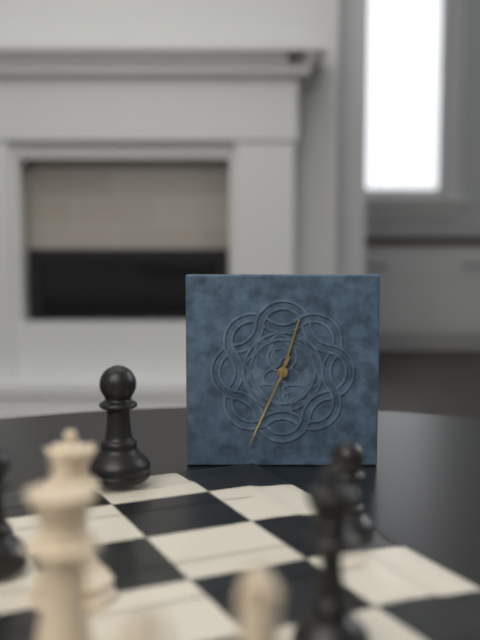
12.34
